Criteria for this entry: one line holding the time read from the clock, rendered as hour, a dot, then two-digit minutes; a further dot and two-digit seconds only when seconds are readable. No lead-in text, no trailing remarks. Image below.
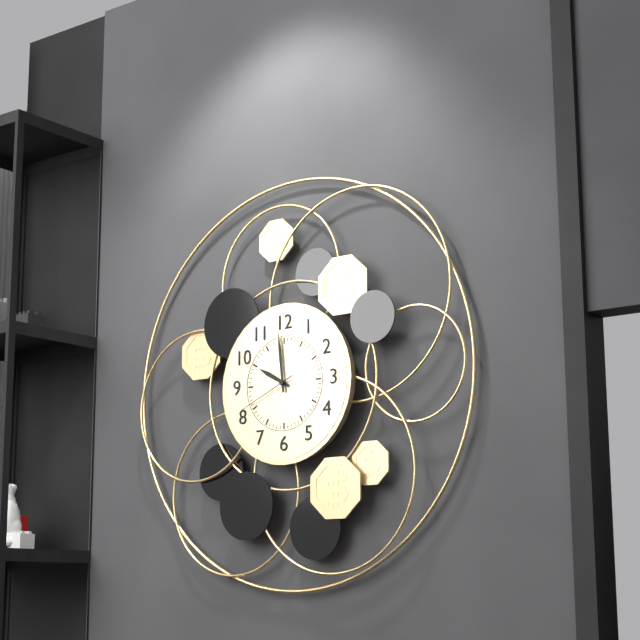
9.59.41
